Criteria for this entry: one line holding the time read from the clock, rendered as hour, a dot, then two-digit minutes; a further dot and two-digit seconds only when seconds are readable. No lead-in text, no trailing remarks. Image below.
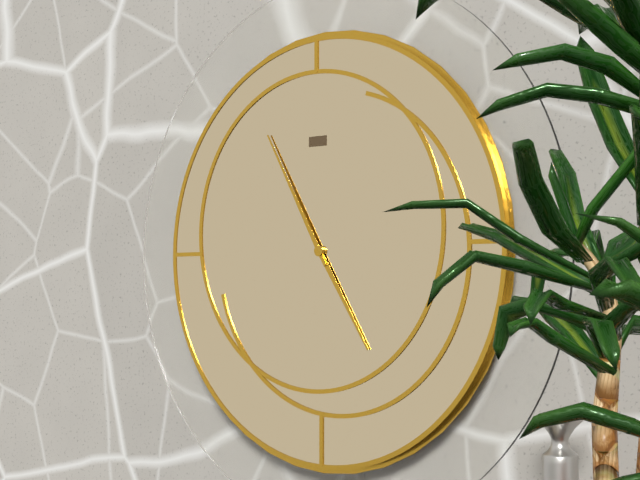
4.55
